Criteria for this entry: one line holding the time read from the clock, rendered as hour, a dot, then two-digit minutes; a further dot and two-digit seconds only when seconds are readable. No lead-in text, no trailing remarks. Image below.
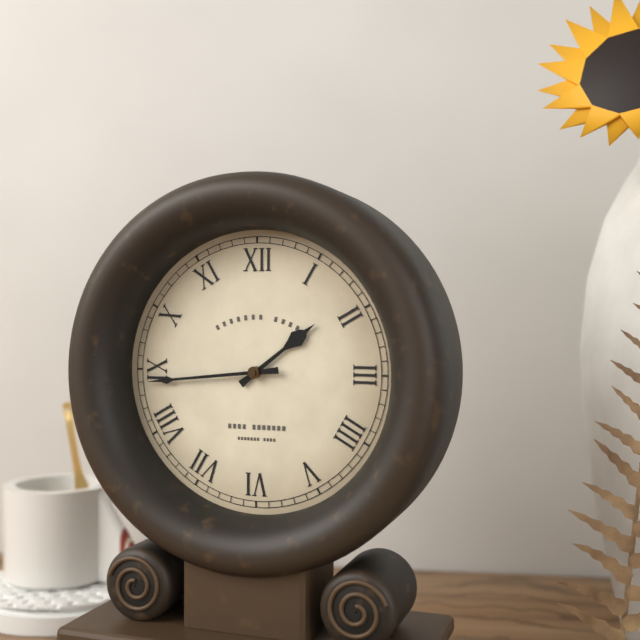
1.44
